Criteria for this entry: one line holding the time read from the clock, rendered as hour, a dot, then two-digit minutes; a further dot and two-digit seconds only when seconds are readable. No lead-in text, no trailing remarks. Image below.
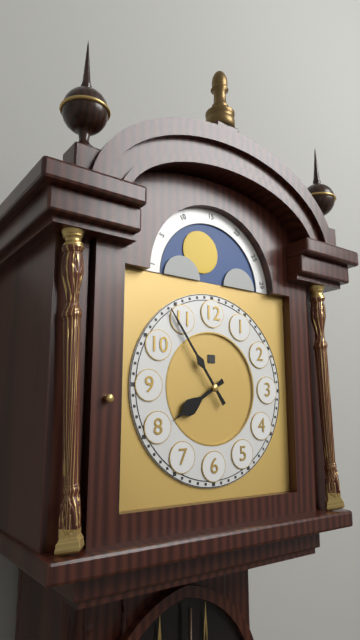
7.54
